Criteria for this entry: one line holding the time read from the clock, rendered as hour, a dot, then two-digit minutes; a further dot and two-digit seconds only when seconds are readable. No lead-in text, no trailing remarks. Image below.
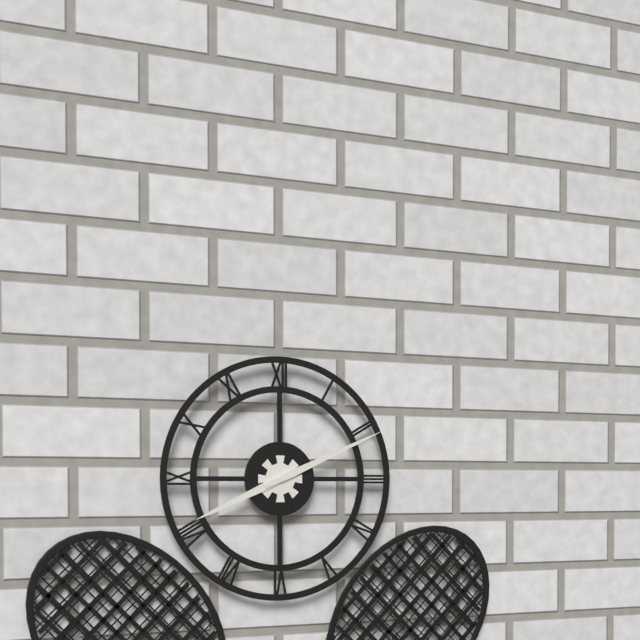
8.11
